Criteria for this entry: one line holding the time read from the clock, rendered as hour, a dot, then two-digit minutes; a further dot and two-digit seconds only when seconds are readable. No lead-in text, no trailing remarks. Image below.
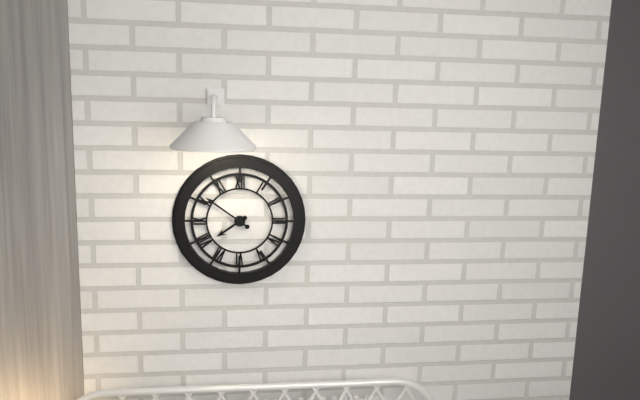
7.51
